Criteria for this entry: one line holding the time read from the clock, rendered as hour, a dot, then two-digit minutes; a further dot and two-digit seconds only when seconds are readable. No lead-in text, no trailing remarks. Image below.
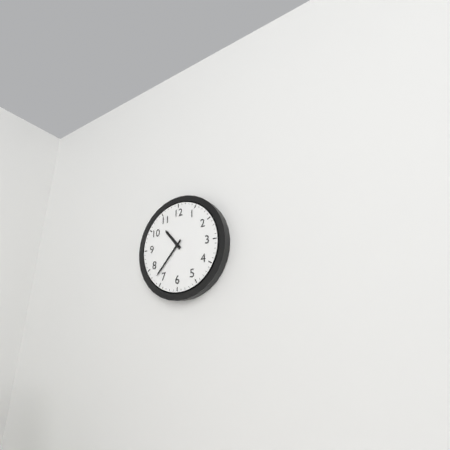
10.37
